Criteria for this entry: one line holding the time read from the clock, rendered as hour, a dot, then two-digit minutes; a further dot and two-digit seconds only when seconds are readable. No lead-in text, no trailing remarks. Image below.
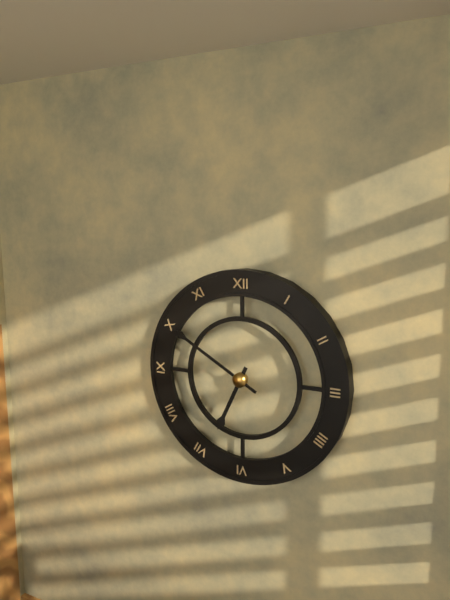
6.50
